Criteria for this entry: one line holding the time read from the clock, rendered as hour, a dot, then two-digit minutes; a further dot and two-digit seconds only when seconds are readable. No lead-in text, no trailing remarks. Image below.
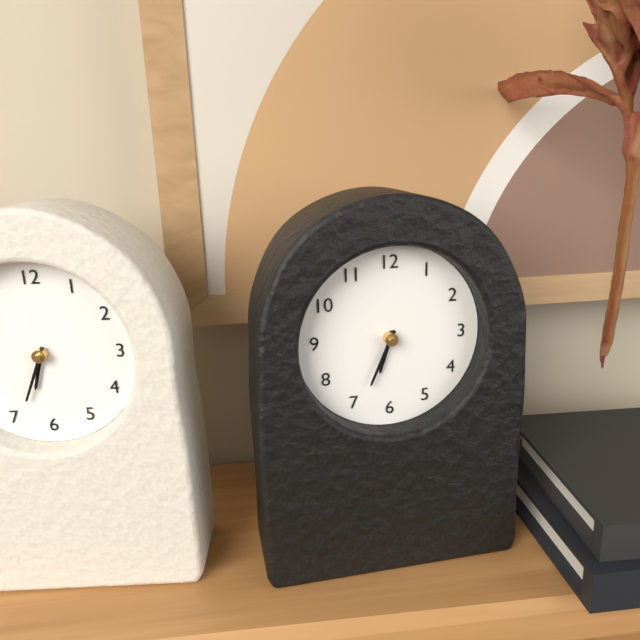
6.34
